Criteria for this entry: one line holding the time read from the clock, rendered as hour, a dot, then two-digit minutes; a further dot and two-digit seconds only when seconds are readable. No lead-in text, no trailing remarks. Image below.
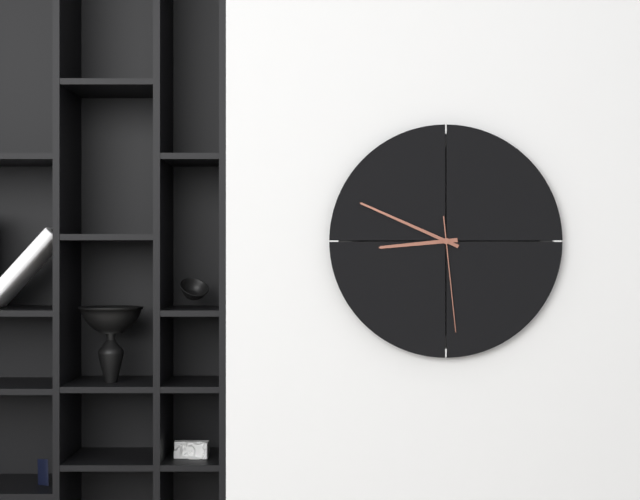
8.49.29
